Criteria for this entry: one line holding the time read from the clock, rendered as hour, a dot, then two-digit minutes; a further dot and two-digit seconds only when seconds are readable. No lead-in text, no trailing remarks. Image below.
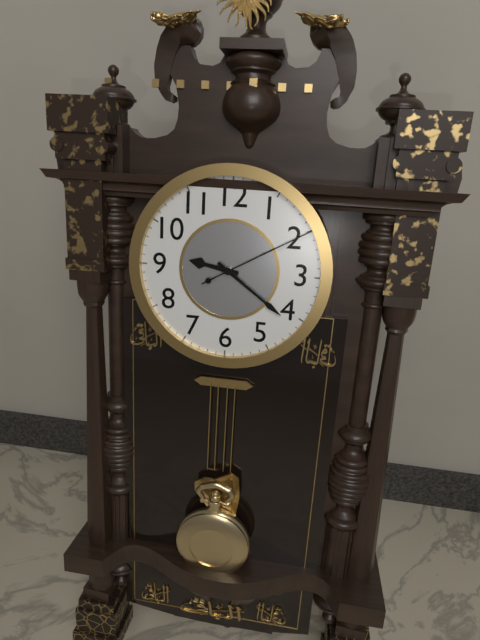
9.21.10
